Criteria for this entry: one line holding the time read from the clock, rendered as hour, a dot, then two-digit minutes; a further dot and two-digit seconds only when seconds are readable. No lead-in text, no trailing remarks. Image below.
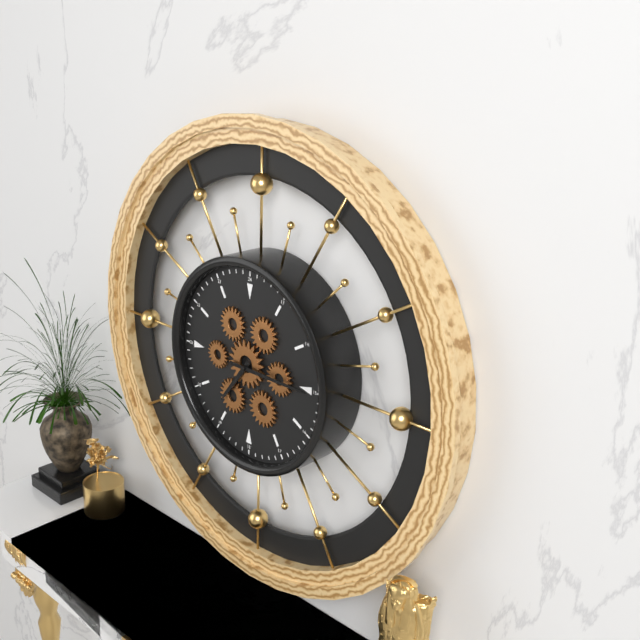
7.15
